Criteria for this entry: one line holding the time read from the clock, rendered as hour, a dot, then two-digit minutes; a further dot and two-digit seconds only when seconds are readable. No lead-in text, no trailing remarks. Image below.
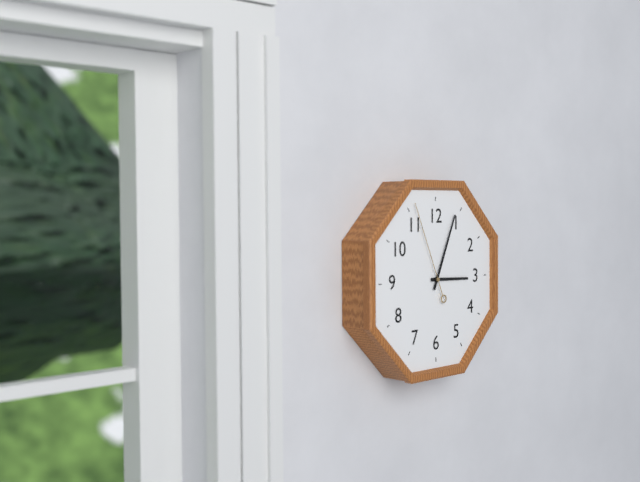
3.04.56
